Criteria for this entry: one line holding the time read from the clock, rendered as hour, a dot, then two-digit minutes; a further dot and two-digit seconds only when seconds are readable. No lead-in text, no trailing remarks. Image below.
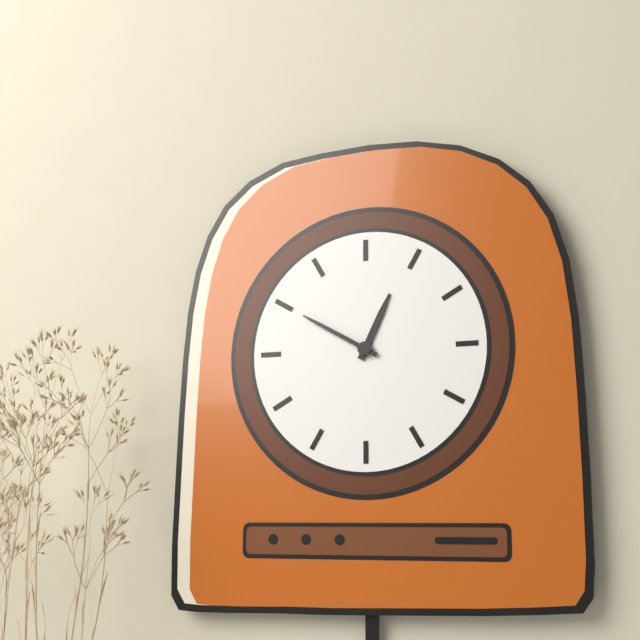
12.50
